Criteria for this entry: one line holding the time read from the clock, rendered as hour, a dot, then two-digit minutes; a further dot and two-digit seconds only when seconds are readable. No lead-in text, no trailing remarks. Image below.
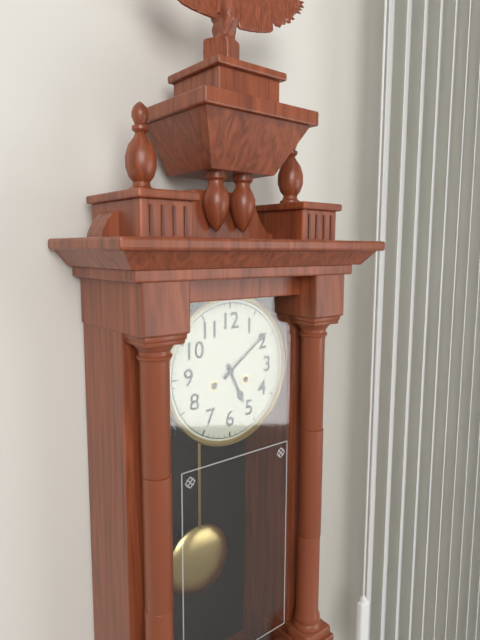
5.09
